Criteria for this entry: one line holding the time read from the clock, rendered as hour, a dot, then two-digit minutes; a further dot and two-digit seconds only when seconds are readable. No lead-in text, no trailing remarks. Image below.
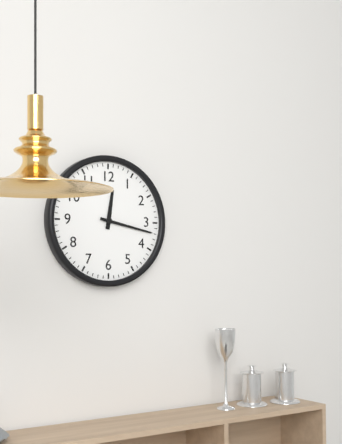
12.17
